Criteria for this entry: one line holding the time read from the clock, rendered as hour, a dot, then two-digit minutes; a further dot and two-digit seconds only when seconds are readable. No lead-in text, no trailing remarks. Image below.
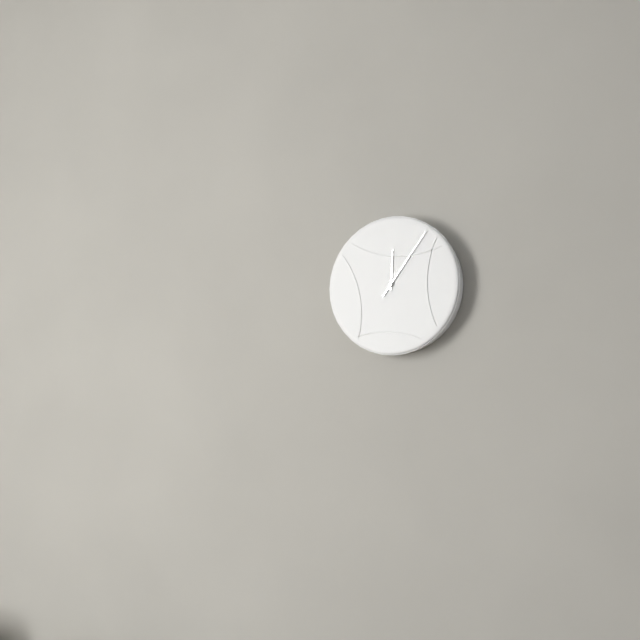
12.06
